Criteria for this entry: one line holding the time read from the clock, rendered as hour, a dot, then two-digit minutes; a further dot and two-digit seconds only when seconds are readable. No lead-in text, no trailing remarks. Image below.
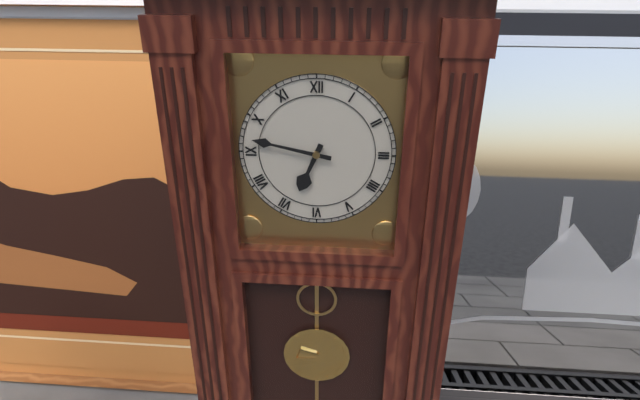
6.47
